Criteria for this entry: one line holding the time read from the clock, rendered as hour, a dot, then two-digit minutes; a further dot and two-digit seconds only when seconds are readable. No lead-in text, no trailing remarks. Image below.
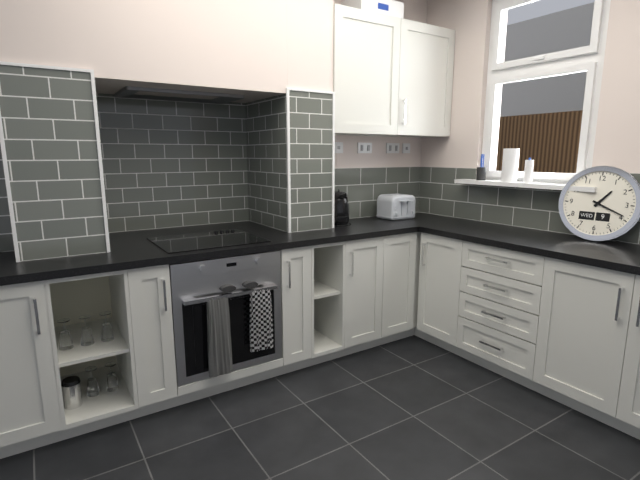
1.19
